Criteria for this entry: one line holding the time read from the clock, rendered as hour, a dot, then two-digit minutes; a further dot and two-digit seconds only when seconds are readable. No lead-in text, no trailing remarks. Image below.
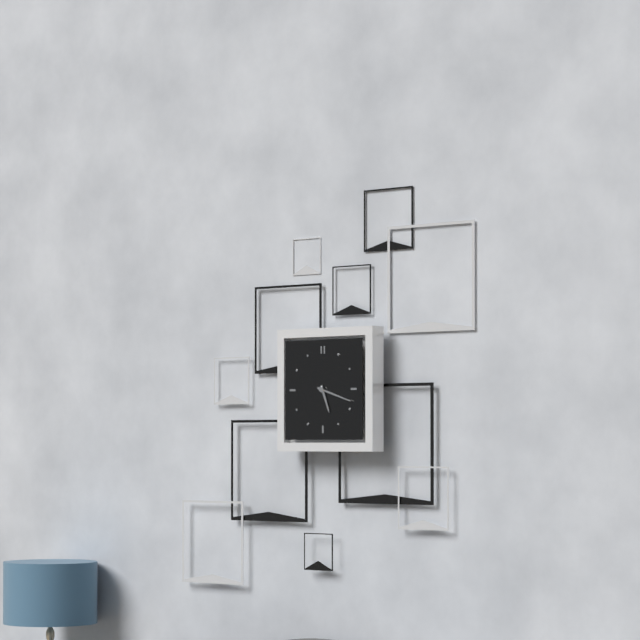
5.18
